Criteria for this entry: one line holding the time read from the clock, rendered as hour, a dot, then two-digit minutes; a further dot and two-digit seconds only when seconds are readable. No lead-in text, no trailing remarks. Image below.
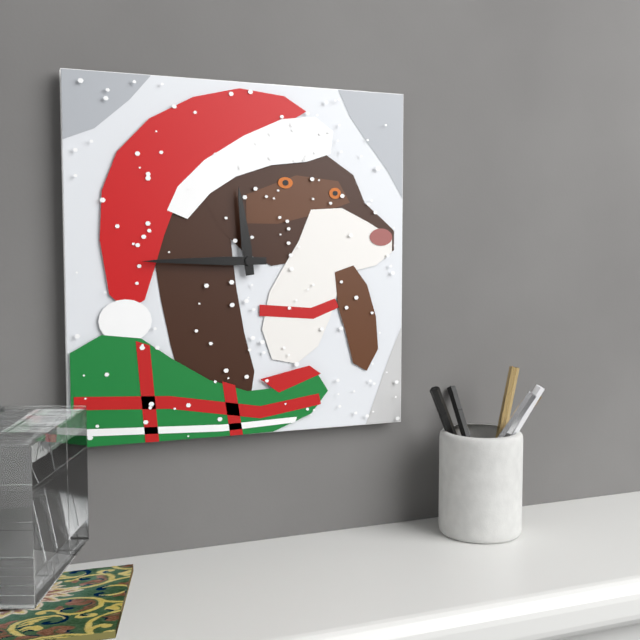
11.45
